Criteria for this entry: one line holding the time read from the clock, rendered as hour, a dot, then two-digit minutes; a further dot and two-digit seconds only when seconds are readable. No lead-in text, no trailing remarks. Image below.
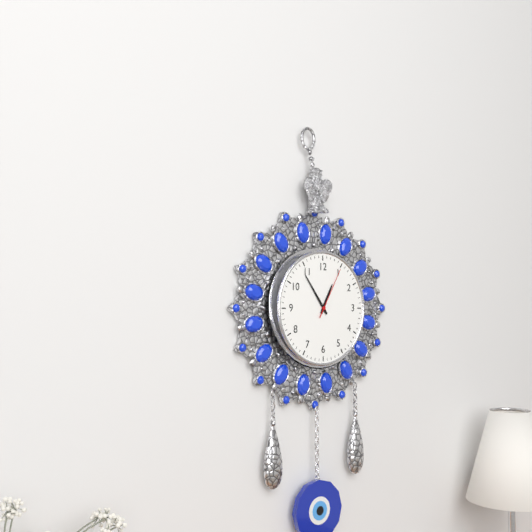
12.54.05
